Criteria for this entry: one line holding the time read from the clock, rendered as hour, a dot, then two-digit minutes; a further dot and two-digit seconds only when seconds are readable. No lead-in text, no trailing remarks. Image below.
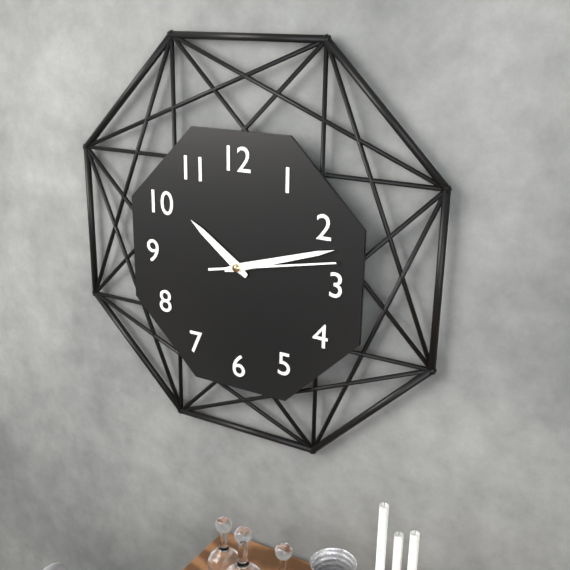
10.12.13
